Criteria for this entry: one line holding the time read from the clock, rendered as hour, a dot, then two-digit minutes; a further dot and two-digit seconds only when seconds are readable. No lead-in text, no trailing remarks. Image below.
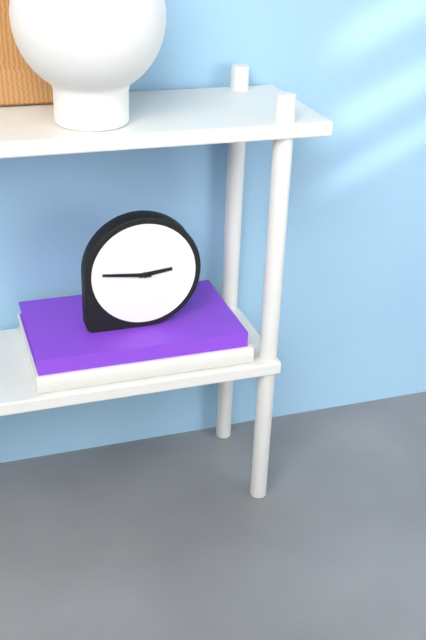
2.46
